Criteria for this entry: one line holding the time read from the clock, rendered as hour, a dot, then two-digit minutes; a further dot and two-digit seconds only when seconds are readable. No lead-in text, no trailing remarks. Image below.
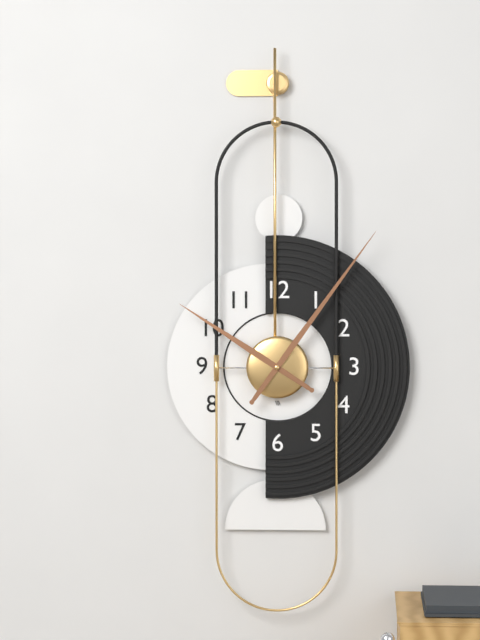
10.06
